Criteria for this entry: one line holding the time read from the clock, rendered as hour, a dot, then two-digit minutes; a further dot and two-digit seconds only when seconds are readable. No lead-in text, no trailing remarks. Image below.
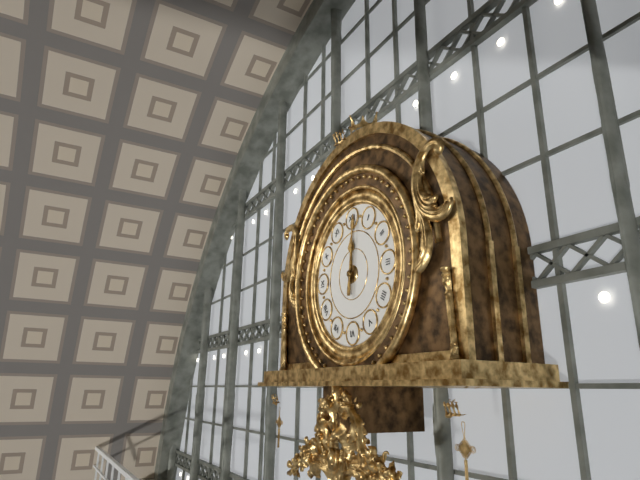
12.01
